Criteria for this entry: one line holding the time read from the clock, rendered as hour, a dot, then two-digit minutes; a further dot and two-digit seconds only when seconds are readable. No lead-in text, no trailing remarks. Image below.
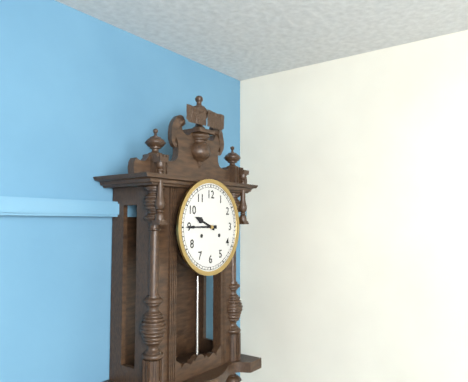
9.45
